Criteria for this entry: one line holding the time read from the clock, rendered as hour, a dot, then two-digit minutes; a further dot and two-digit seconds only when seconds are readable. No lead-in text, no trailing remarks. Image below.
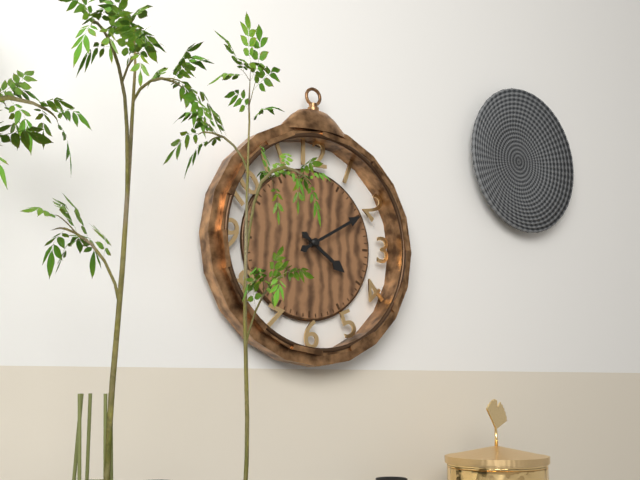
4.10
